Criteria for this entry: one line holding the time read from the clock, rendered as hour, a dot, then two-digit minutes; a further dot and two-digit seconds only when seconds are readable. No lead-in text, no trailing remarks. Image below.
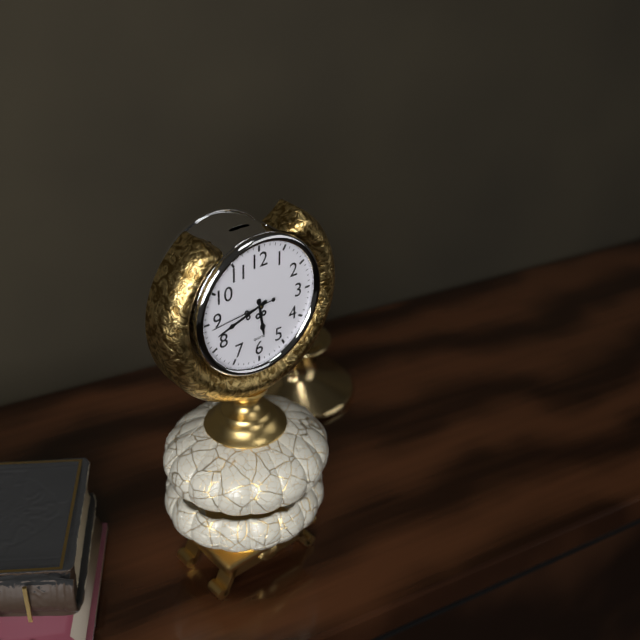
5.42.44
